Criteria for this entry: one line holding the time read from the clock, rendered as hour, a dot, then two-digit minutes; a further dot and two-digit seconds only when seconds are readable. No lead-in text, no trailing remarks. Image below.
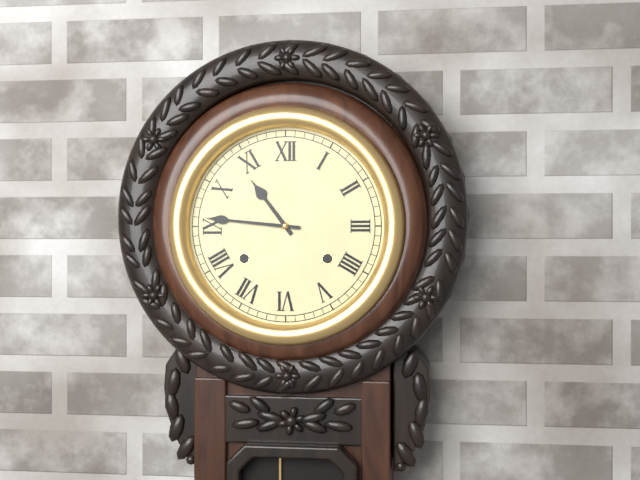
10.46
